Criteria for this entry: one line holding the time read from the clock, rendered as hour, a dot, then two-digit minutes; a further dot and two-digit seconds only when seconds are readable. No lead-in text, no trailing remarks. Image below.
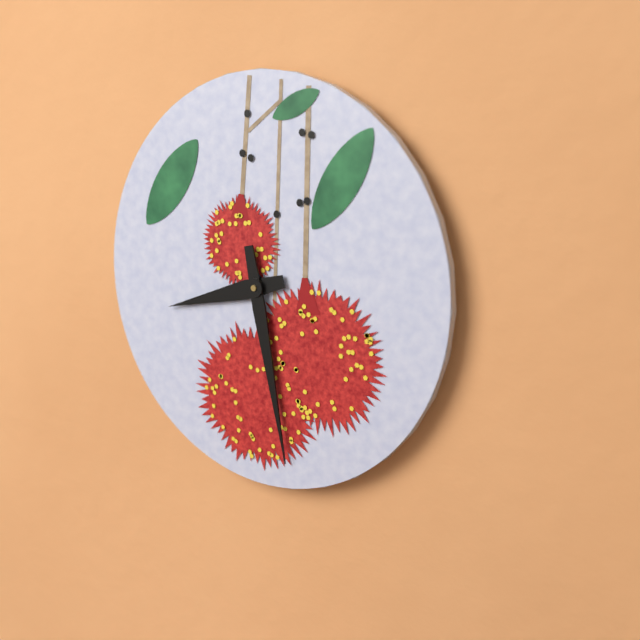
8.28
